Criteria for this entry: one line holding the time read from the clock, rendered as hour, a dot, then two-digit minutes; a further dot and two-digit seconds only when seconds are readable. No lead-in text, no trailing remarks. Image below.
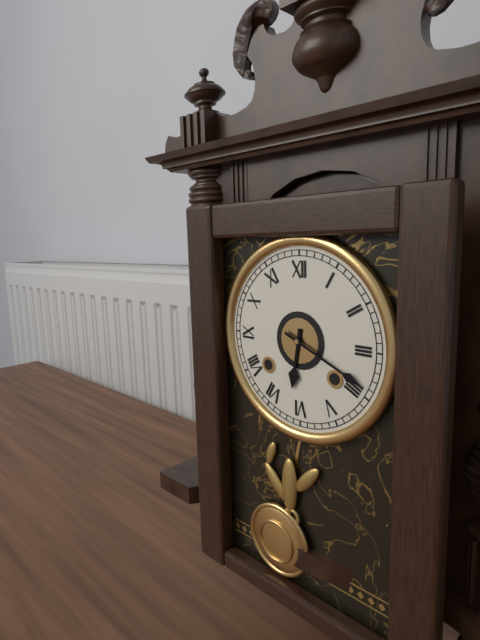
6.19
